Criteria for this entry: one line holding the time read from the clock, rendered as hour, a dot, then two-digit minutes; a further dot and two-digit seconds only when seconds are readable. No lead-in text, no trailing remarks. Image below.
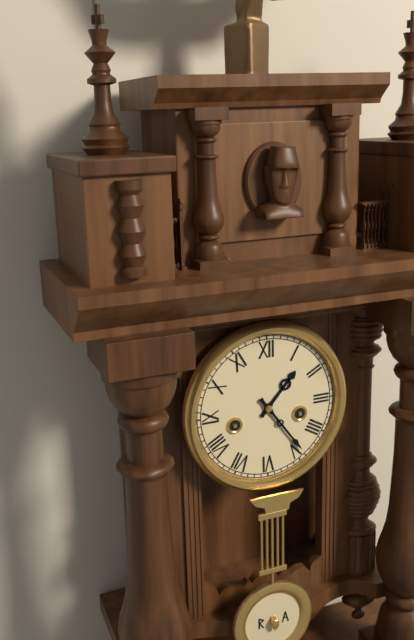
1.24
